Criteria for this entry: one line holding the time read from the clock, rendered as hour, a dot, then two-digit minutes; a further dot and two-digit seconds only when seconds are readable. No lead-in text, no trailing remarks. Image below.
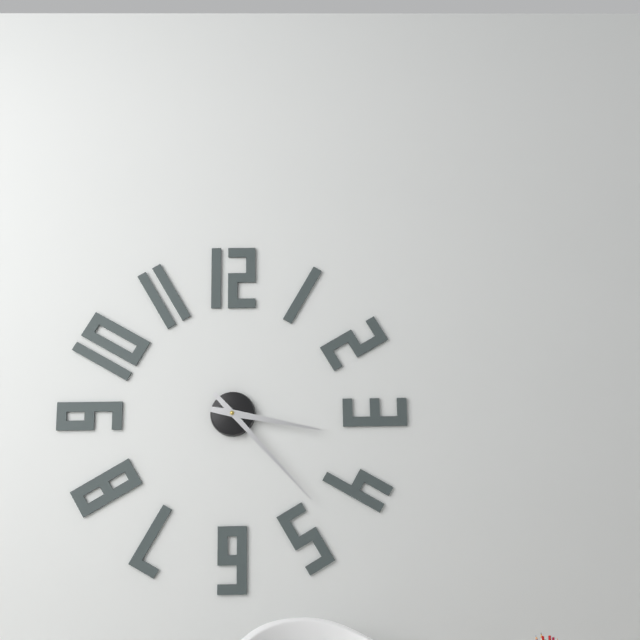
3.23
